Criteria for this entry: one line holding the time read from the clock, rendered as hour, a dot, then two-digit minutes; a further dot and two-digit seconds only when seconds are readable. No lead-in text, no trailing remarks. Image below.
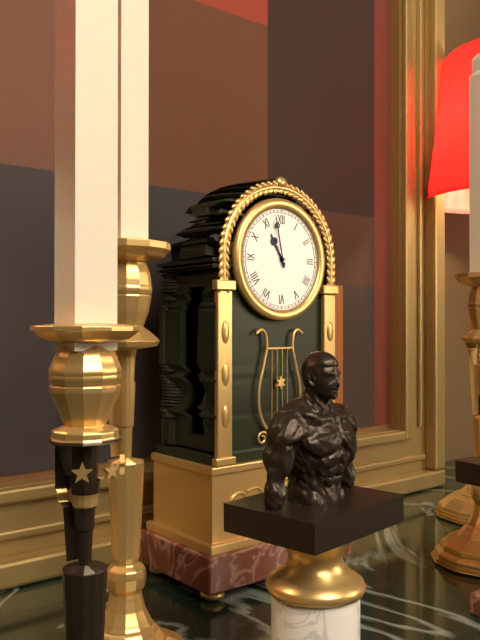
10.58
